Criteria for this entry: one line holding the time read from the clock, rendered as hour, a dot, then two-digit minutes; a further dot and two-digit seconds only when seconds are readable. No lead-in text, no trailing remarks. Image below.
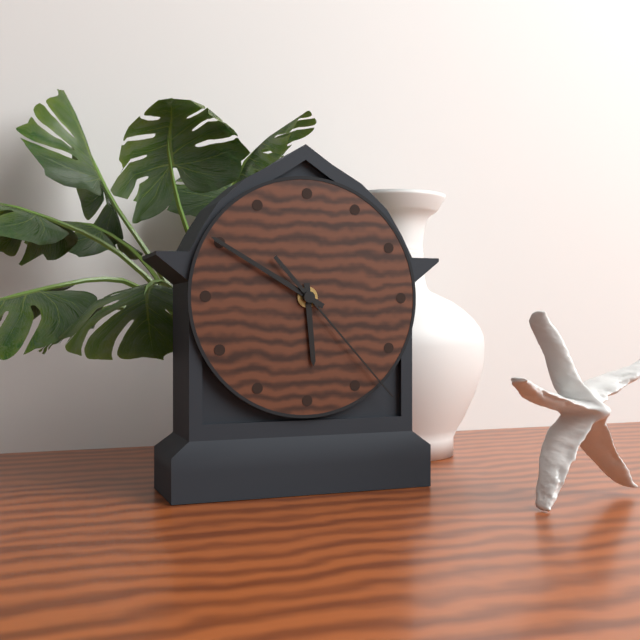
5.50.23
